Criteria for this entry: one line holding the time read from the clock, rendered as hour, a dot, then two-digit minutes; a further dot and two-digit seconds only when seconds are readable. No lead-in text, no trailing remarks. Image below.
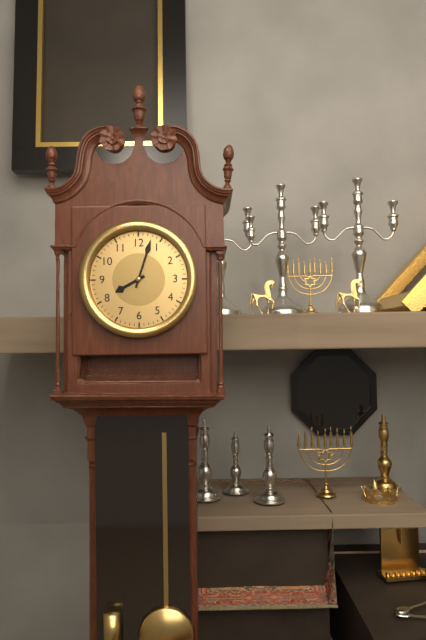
8.03
